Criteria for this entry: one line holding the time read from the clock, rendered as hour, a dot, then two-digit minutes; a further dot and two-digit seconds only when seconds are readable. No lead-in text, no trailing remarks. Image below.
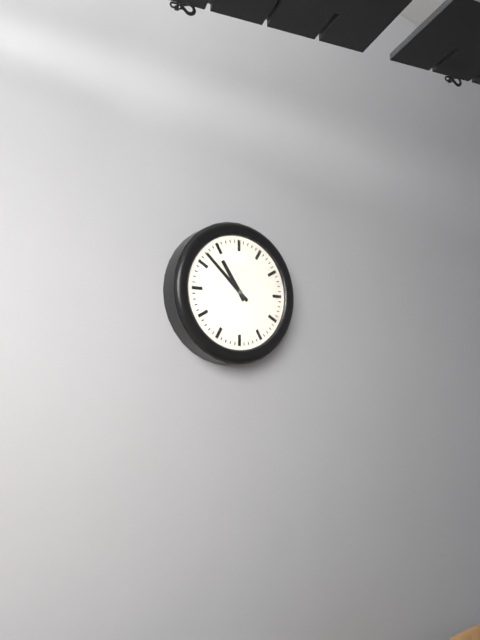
10.52
